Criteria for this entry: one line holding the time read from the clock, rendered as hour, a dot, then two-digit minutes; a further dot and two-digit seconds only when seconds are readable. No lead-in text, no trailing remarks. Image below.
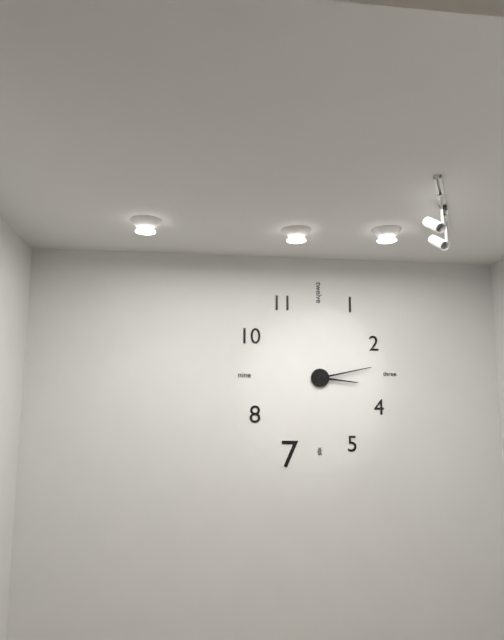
3.13
